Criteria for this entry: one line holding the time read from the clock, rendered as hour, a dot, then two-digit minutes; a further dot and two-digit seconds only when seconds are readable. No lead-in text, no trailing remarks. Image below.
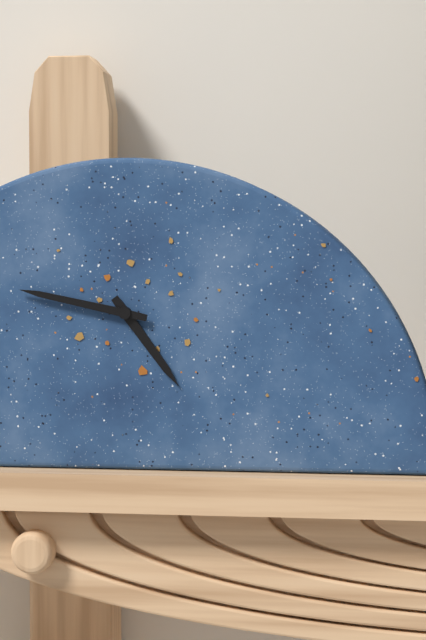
4.47
